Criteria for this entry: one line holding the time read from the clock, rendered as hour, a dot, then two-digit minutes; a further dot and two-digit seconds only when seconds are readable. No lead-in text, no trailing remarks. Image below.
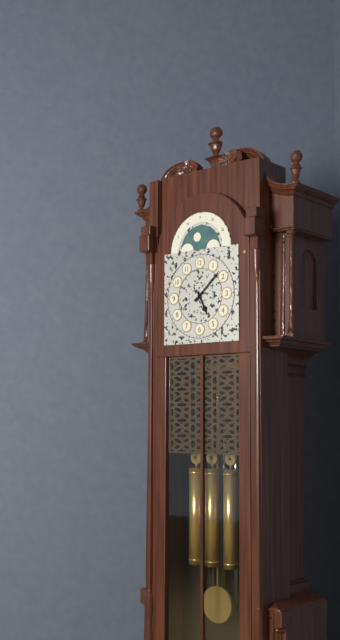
5.08
